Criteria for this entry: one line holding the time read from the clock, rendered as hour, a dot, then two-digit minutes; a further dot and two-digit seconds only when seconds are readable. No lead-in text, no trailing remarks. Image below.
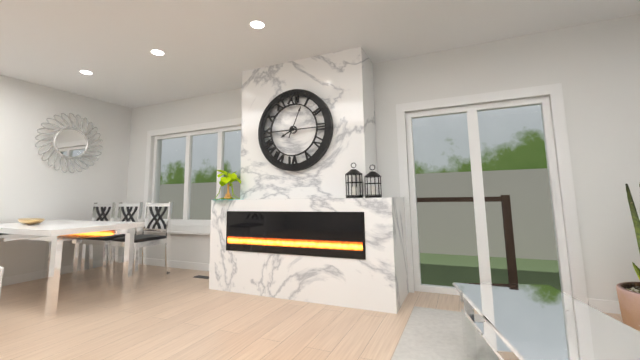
8.04
